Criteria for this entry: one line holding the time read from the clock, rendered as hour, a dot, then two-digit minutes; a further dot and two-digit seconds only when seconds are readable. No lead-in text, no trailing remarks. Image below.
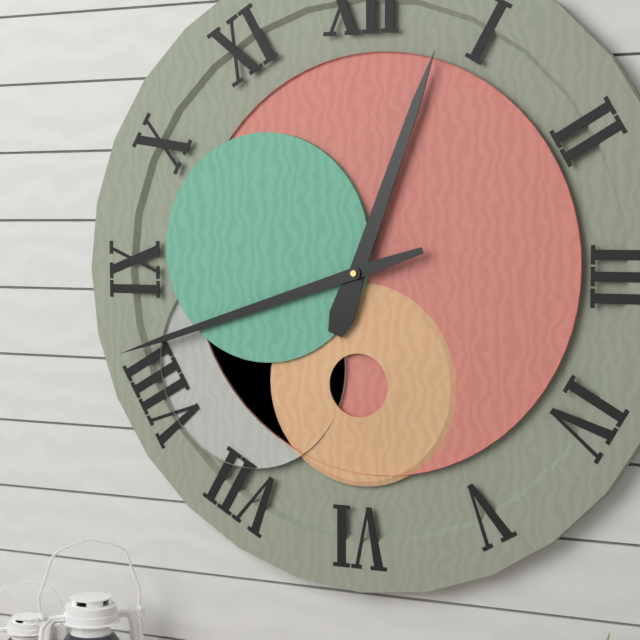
12.42
